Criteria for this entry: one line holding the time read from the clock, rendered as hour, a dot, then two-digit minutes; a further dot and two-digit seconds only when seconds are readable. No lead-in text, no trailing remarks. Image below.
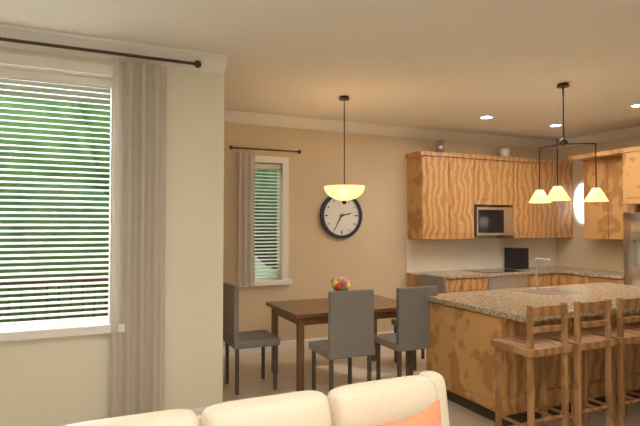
2.35
